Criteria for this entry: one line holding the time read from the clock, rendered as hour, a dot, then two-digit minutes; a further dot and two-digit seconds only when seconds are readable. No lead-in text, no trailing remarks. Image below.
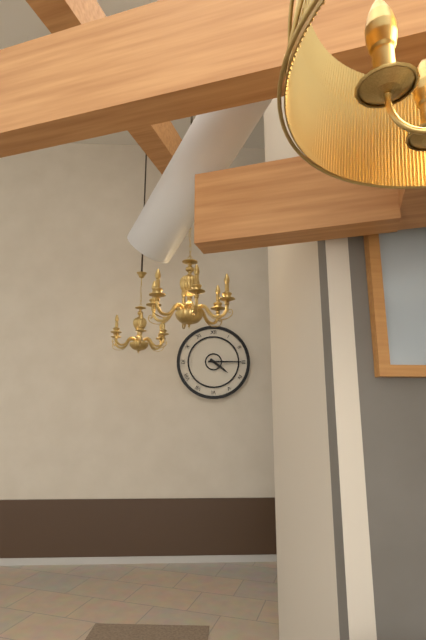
4.15
